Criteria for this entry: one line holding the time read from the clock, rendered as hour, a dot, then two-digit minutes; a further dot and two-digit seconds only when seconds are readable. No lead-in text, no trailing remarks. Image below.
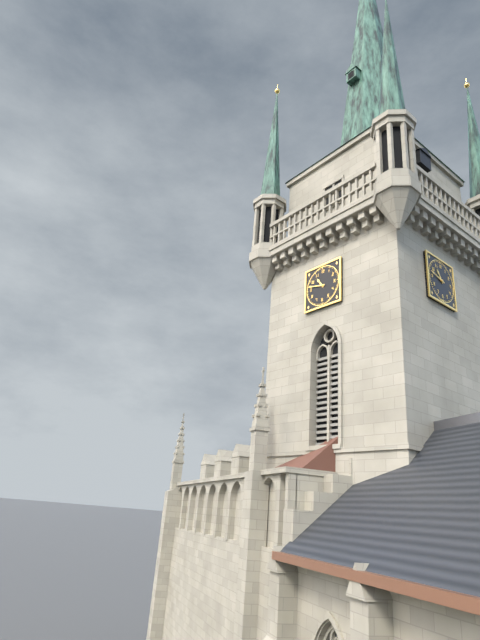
10.47
